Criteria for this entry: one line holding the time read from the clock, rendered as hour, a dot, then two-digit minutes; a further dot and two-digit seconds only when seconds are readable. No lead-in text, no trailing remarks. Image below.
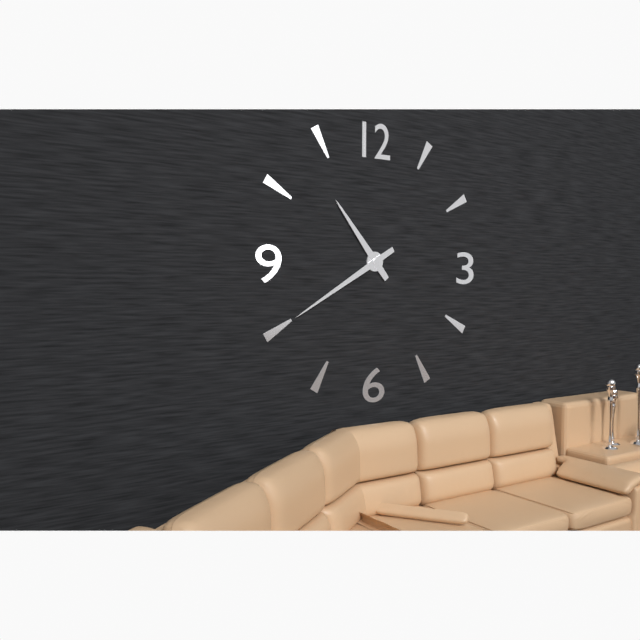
10.40
